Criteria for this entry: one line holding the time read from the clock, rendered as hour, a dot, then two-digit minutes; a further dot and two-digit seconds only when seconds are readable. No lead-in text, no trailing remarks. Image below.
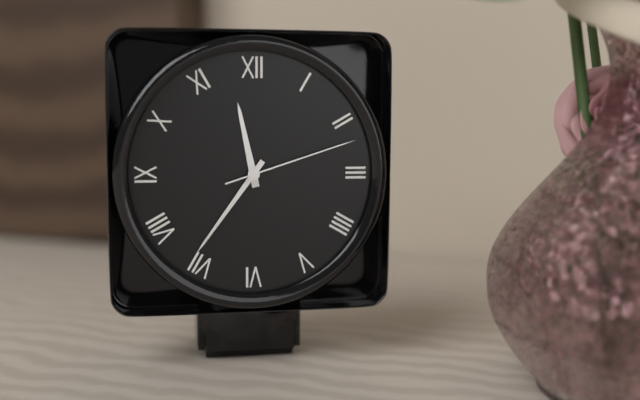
11.36.12
